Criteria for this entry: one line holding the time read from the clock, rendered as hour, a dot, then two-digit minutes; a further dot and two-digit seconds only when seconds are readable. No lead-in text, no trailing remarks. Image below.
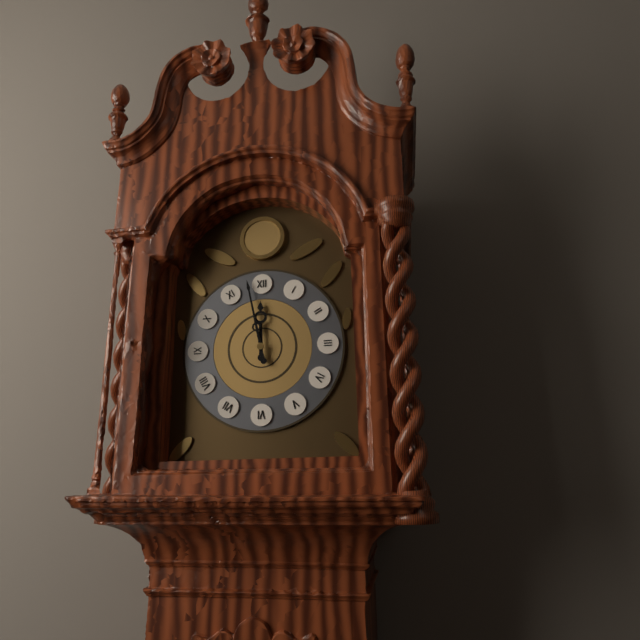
11.58
